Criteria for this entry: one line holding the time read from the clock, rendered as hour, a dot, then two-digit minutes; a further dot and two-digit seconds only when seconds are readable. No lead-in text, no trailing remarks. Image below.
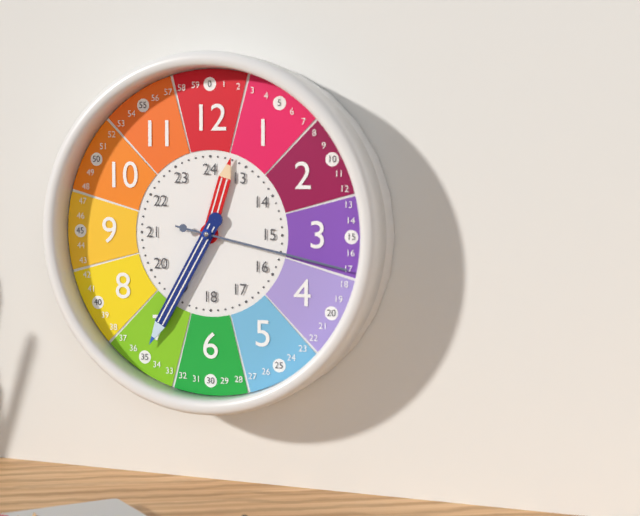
12.35.17
